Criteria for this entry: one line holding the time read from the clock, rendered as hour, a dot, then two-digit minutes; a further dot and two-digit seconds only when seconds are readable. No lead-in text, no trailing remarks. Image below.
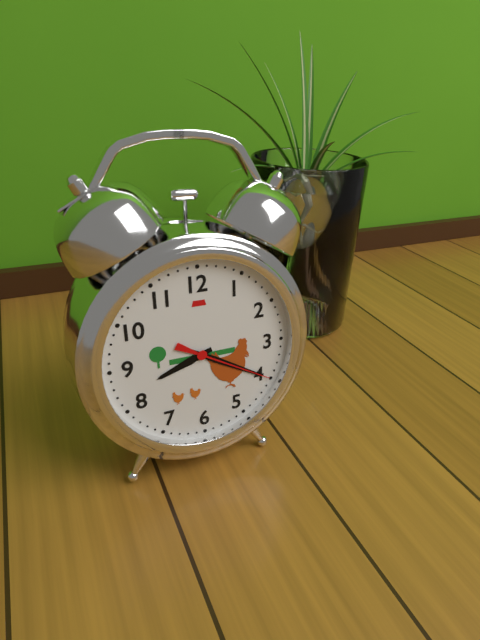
8.20.20
